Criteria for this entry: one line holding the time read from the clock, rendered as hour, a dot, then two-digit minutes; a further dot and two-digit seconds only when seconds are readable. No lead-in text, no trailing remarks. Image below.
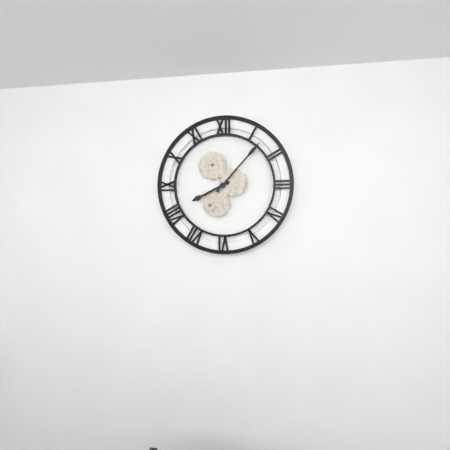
8.07
